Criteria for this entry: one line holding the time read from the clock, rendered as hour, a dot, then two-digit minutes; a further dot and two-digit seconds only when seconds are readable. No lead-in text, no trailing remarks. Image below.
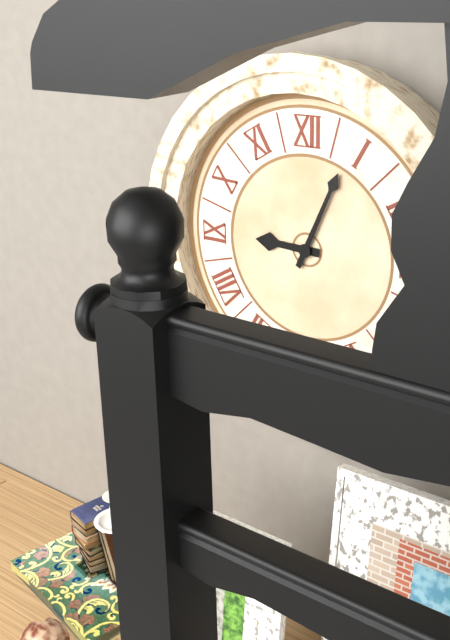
9.04
